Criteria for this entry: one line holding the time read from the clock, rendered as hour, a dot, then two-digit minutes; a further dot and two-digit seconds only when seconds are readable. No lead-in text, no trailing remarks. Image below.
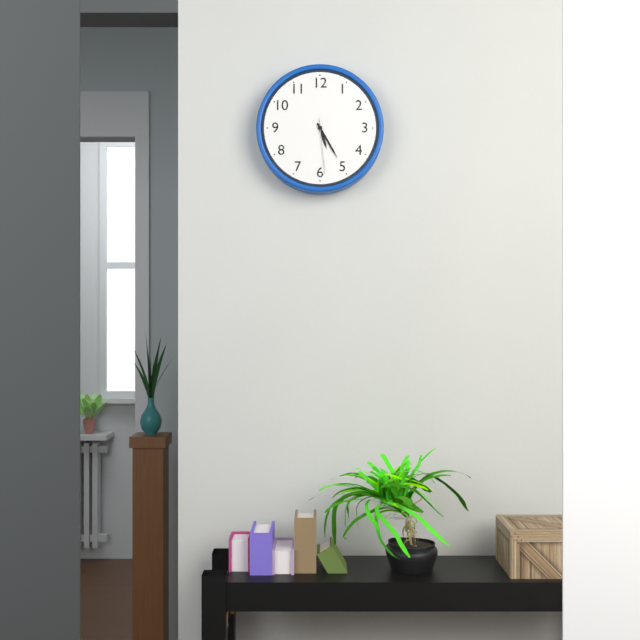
5.25.29
